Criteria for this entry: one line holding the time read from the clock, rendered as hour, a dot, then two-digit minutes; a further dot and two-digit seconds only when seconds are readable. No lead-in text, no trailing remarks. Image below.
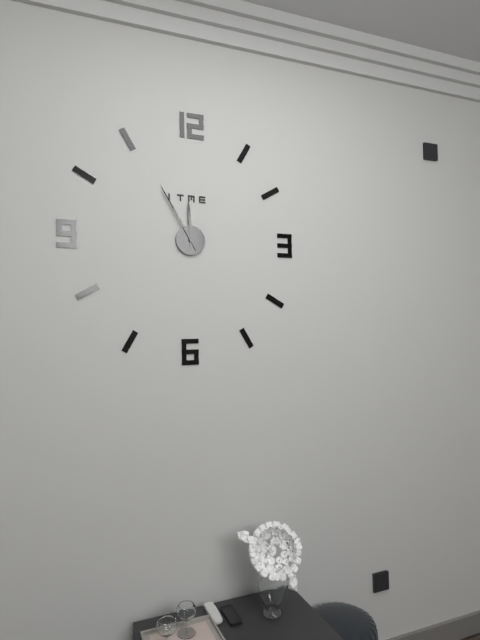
11.55
